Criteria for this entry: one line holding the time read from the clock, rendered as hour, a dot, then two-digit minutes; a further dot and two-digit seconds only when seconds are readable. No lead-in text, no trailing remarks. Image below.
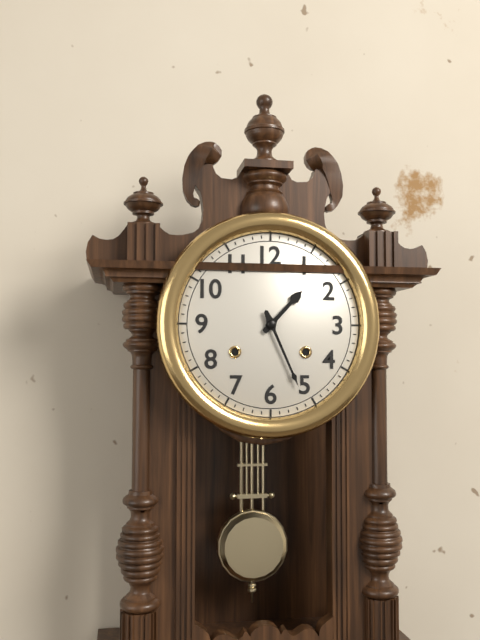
1.26
